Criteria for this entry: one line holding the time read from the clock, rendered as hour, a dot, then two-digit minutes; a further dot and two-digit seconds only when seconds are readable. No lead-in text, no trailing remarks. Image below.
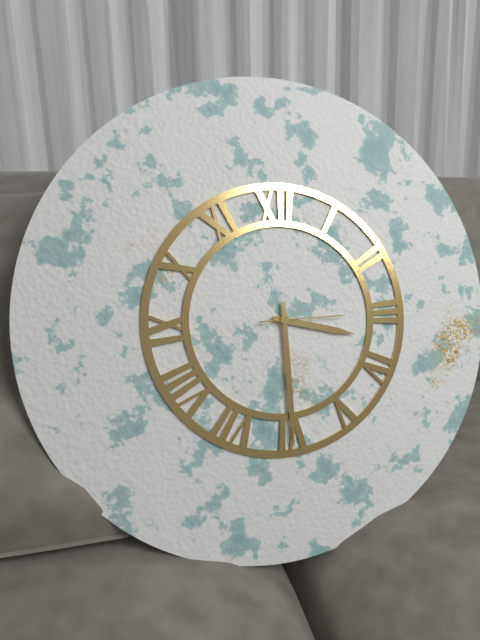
3.30.15
